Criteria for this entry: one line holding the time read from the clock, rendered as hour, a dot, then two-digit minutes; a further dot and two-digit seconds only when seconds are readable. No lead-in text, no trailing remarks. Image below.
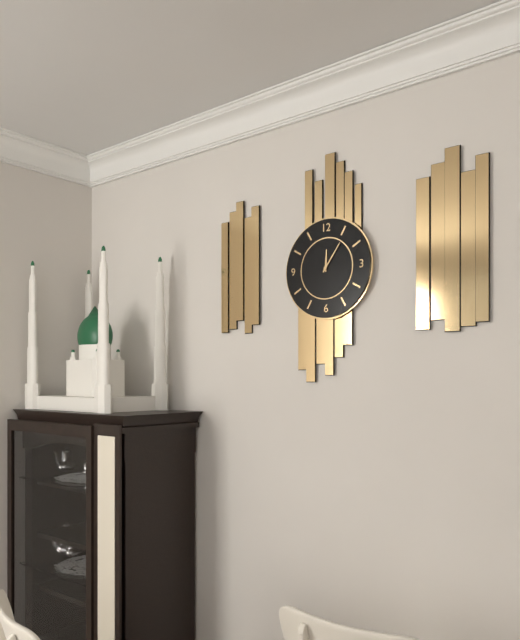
12.06
